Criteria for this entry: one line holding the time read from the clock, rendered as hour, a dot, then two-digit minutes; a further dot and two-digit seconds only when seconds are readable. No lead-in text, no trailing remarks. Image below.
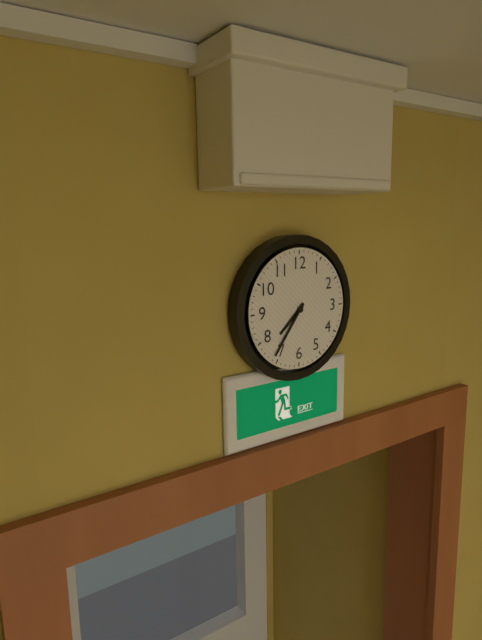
7.36
